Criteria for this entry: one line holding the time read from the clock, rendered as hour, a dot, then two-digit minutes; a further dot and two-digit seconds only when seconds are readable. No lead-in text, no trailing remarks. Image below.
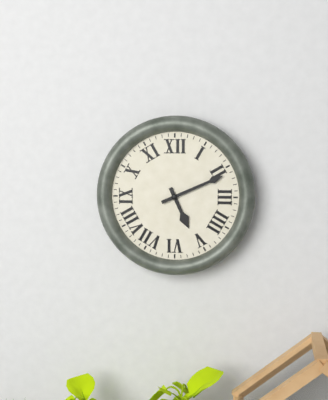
5.11
